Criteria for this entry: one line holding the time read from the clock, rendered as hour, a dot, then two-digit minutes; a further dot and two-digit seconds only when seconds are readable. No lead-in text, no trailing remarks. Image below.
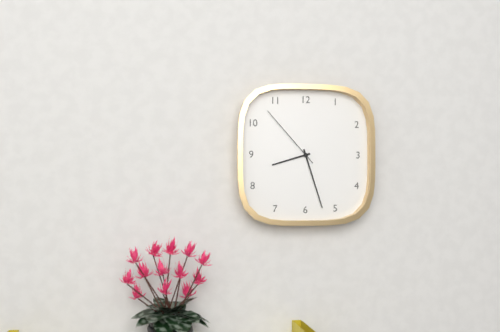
8.27.53
